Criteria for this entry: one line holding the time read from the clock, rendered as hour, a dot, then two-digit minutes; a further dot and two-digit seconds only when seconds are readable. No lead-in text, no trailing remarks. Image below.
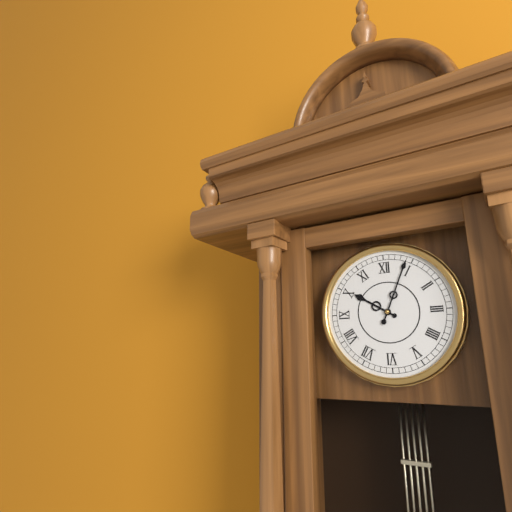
10.04
